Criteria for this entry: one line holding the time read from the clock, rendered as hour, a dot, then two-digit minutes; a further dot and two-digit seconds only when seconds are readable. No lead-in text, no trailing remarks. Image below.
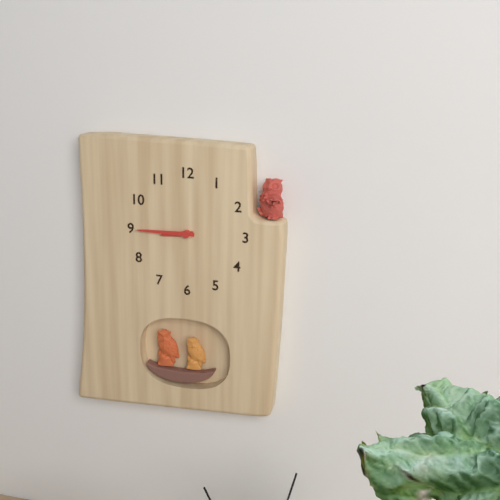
8.45
